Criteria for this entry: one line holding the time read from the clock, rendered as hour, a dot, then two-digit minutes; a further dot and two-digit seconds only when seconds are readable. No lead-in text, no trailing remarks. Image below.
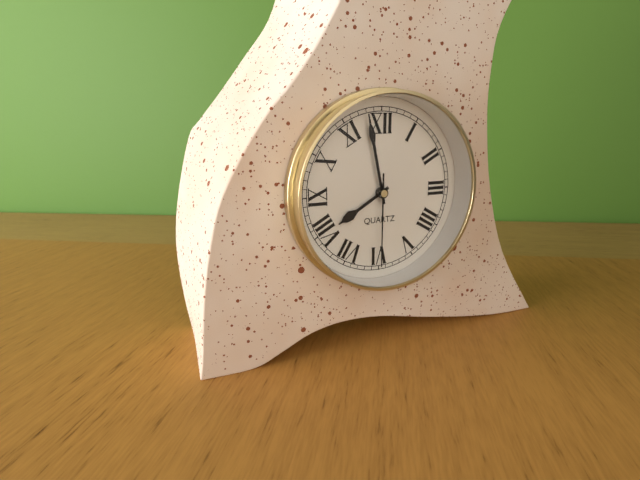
7.58.30
